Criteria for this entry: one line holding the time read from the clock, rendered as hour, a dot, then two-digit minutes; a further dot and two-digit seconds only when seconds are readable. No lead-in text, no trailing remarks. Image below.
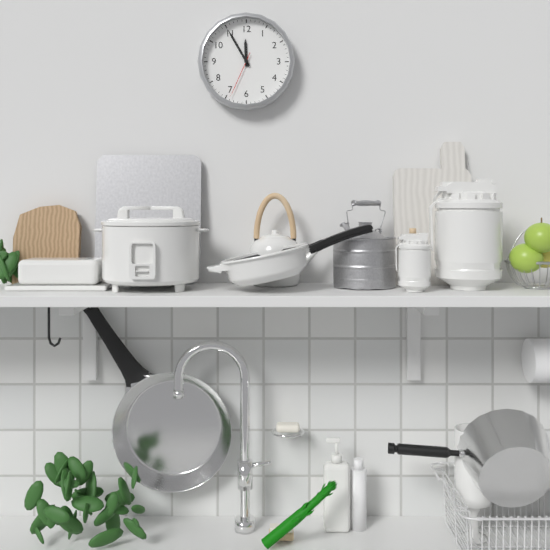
11.55
